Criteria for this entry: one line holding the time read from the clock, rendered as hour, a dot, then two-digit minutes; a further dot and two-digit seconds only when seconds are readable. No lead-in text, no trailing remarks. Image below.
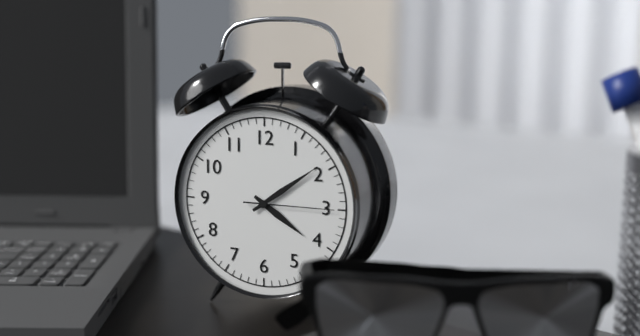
4.09.15
